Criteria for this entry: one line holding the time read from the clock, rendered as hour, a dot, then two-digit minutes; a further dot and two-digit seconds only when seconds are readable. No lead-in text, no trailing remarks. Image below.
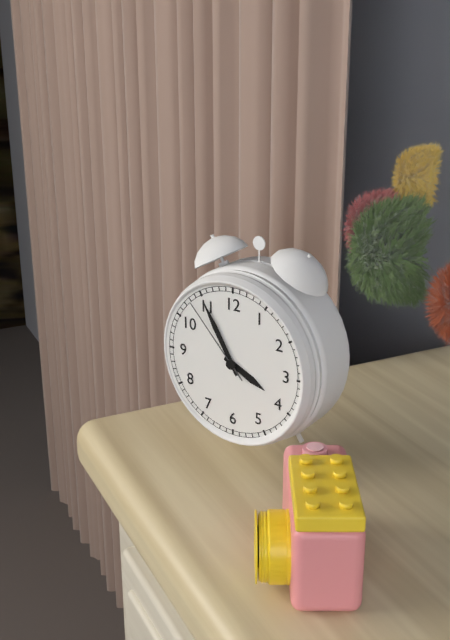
3.55.53
